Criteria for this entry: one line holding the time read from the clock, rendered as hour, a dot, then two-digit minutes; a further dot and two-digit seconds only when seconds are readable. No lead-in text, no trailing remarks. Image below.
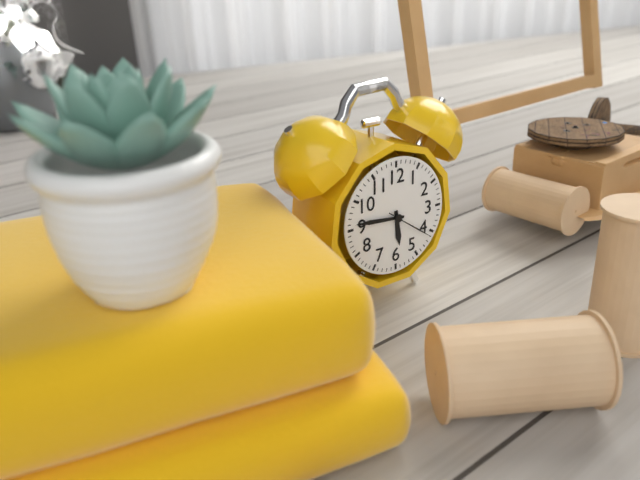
5.46.21
